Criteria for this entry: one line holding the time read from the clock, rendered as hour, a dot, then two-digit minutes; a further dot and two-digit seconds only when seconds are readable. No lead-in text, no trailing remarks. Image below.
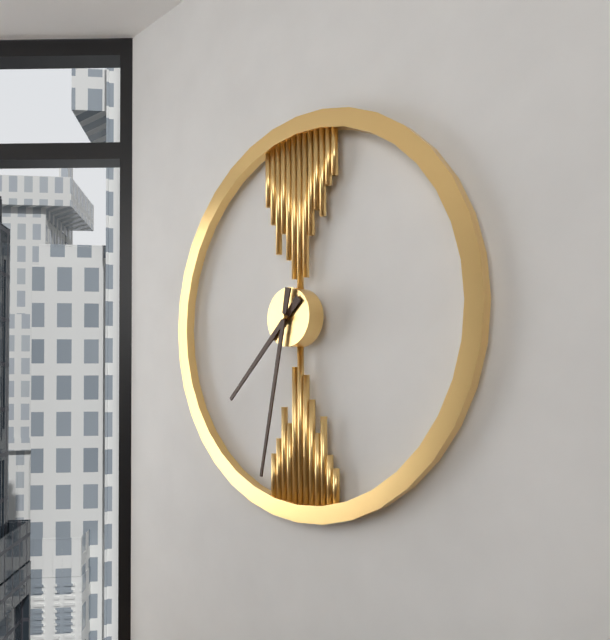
7.32
